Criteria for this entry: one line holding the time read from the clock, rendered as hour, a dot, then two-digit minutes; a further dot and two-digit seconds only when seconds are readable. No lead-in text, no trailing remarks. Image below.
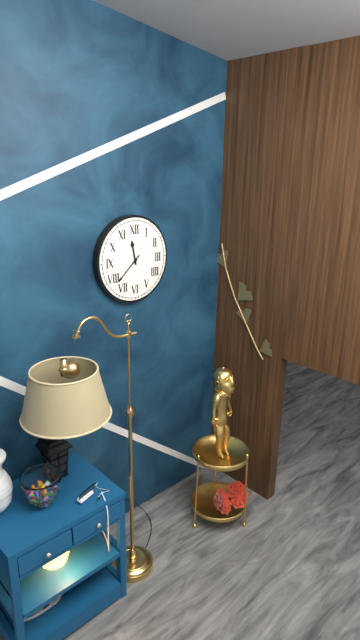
11.38
